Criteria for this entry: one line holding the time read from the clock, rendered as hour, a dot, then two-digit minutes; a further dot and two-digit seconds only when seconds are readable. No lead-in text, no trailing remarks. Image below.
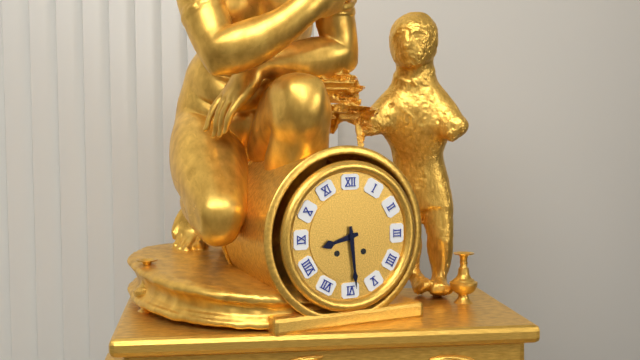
8.29
